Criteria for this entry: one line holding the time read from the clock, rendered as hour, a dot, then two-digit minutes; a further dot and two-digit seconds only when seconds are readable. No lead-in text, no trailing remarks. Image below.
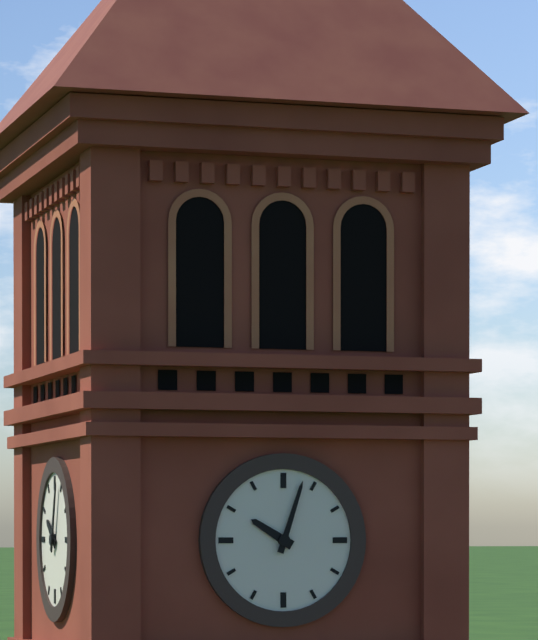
10.03
